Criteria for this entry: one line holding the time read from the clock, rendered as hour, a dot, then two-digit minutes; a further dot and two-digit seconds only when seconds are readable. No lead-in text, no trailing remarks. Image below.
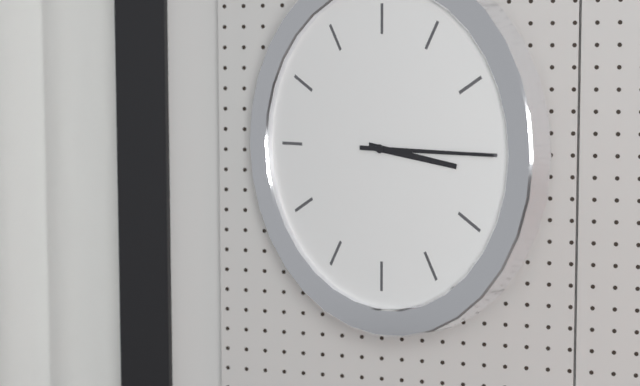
3.15
